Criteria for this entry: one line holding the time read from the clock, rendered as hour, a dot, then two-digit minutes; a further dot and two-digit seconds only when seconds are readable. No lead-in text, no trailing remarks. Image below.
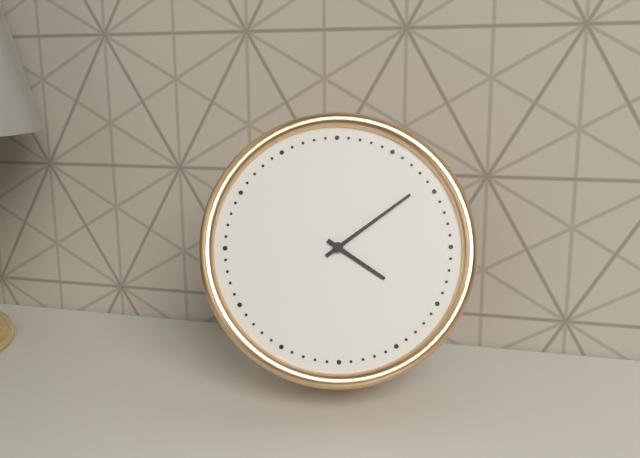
4.09
